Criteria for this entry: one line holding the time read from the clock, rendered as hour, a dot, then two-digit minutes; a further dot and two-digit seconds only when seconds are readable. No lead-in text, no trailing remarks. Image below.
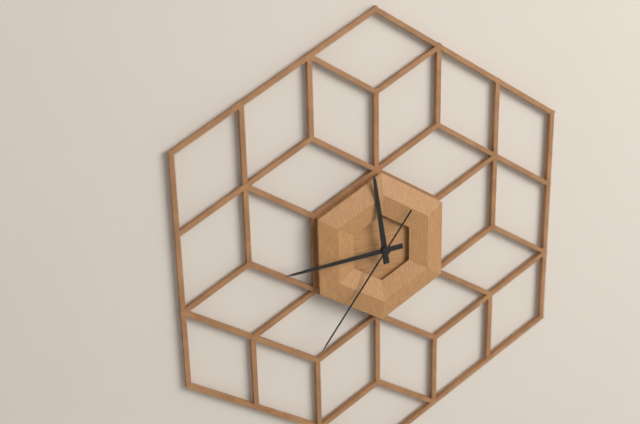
11.44.36
